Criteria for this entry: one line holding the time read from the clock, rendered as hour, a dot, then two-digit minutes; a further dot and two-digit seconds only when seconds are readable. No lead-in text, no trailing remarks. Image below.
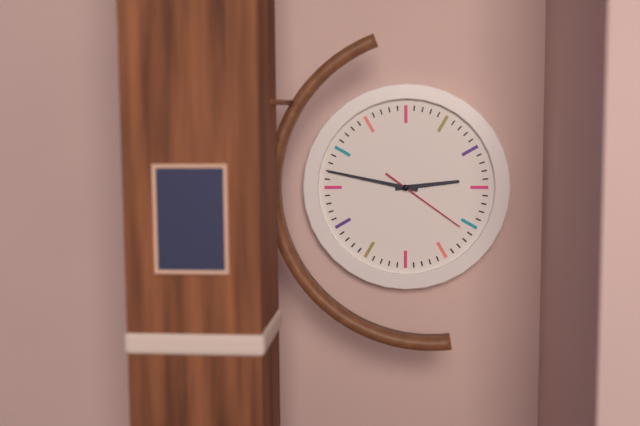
2.47.21
